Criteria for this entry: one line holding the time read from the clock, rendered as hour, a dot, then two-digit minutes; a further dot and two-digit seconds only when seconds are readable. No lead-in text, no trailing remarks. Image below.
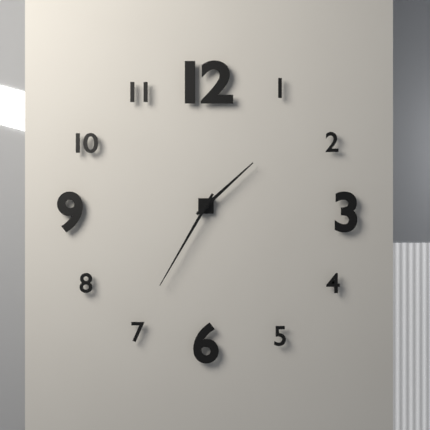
1.35
